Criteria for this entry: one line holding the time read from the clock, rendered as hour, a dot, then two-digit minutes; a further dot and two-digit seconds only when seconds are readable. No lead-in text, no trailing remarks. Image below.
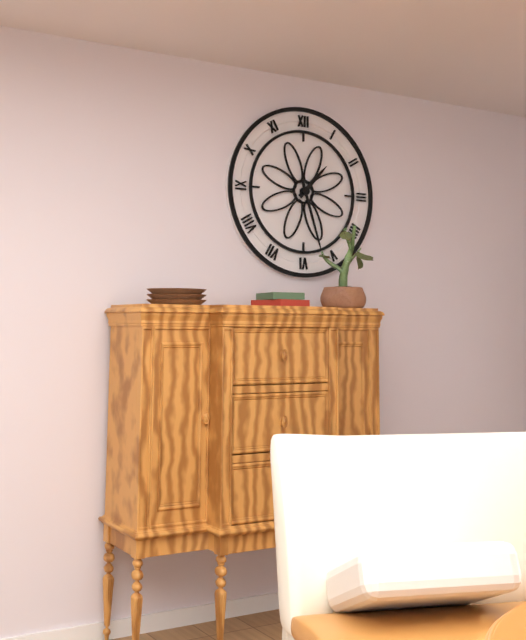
1.27
